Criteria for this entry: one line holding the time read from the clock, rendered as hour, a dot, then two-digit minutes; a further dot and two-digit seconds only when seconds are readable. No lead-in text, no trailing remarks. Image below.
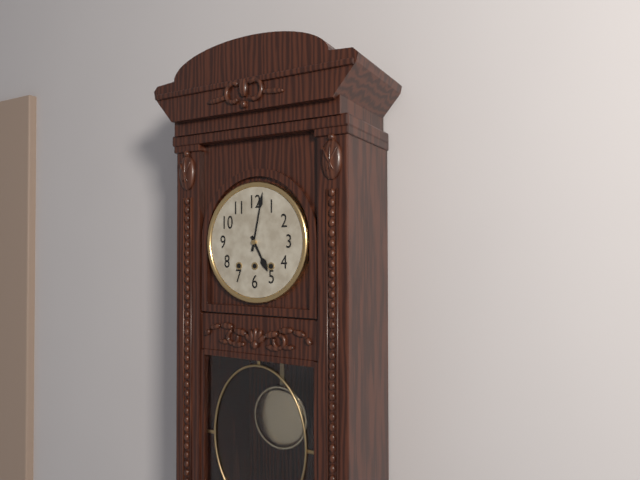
5.02
